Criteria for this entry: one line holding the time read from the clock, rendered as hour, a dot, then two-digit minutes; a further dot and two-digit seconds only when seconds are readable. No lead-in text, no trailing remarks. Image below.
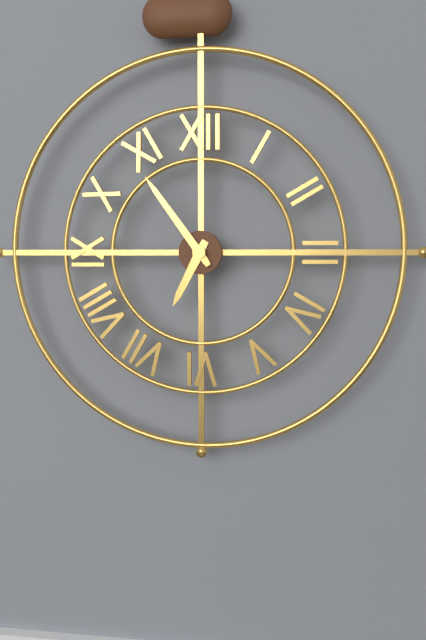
6.54
